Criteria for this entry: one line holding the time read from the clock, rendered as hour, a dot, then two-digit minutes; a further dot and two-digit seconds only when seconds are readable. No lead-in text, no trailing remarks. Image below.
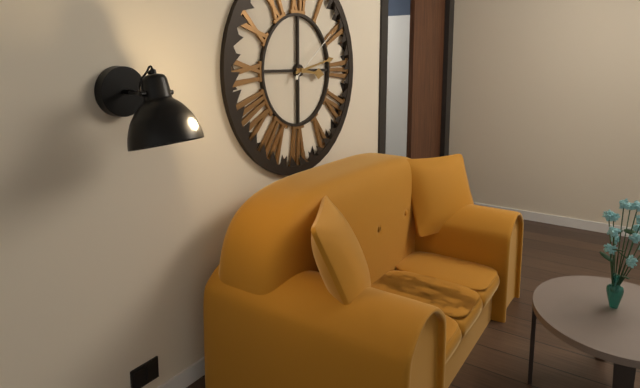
3.13.09
